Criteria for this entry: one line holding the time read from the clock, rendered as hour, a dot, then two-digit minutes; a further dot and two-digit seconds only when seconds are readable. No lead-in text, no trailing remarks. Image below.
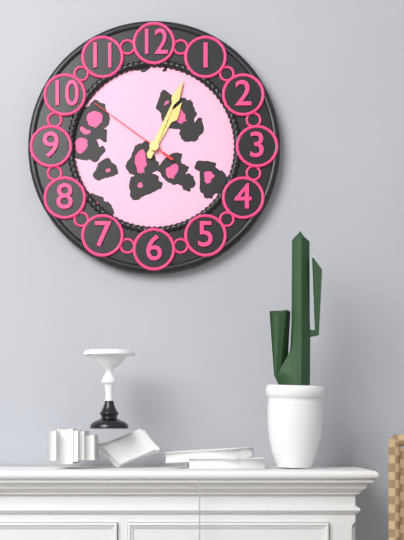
1.04.51
